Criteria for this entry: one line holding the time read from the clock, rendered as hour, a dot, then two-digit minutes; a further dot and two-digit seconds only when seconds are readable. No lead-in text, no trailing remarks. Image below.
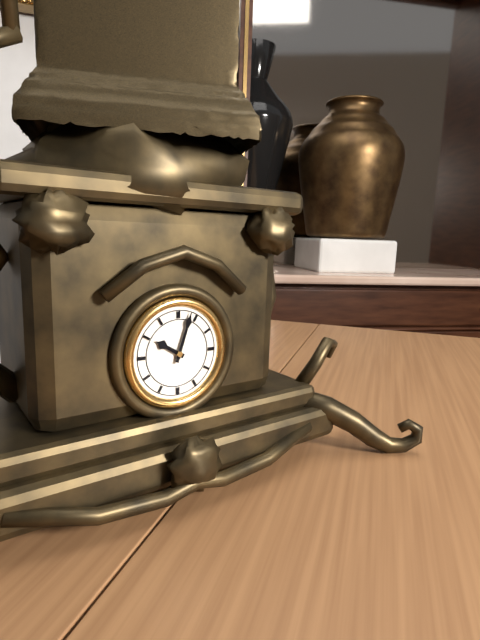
10.03
